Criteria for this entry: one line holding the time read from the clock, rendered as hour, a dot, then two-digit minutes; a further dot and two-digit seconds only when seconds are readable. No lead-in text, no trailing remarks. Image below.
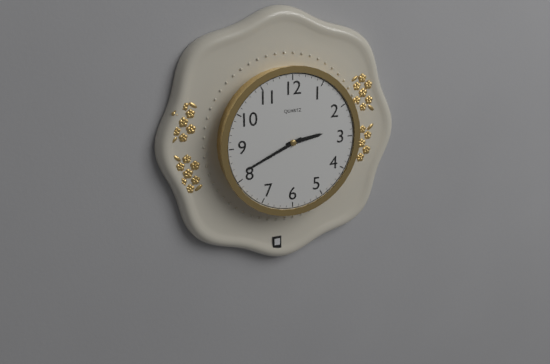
2.41
